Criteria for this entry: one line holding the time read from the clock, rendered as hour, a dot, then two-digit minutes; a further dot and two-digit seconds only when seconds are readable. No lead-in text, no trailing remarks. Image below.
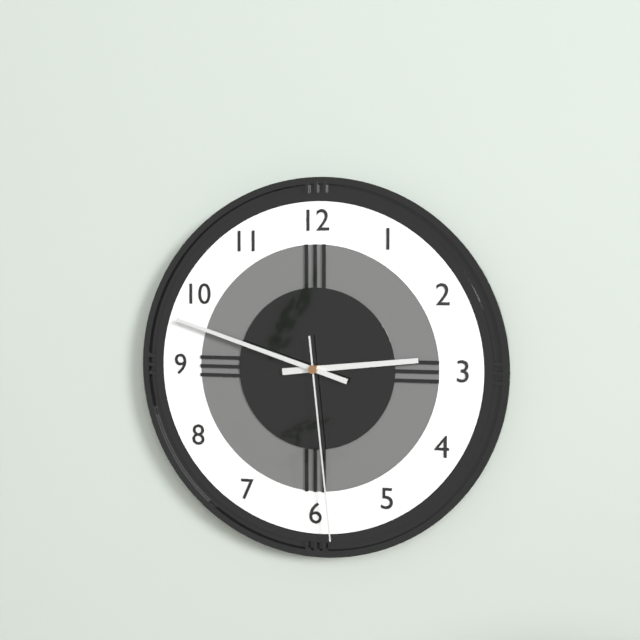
2.48.29
